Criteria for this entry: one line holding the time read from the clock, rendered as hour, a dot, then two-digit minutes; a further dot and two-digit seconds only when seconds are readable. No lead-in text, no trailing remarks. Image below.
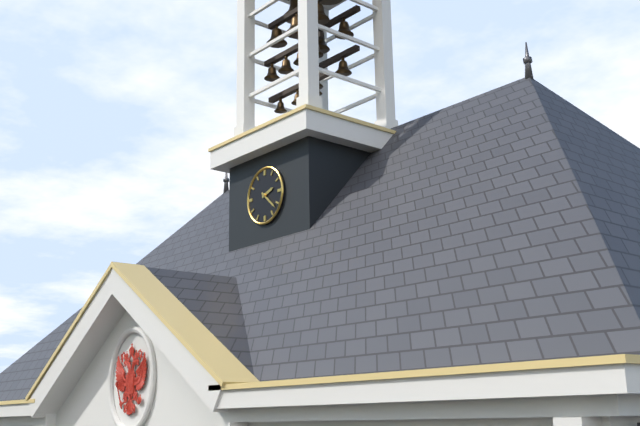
2.22
